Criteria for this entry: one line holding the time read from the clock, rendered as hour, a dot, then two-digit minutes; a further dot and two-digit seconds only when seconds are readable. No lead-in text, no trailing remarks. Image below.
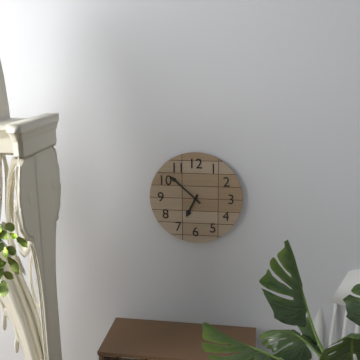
6.52
